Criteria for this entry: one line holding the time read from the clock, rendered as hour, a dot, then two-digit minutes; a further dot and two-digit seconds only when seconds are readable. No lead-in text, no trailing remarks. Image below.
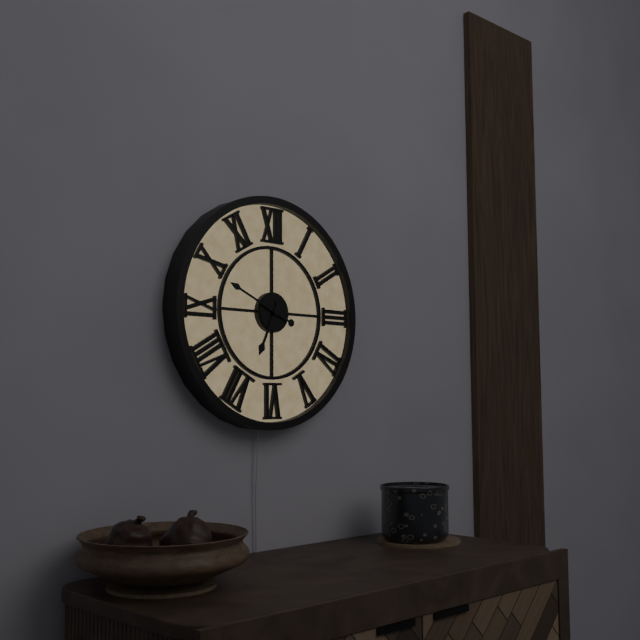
6.49
